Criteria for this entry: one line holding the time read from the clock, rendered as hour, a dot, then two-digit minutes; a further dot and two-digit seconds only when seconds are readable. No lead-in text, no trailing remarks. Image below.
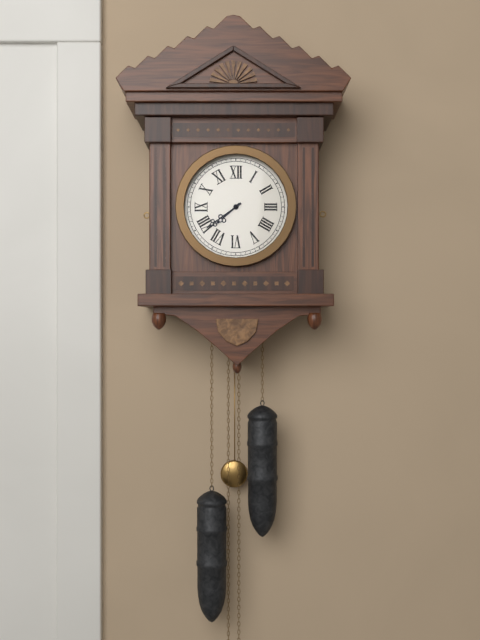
7.39
